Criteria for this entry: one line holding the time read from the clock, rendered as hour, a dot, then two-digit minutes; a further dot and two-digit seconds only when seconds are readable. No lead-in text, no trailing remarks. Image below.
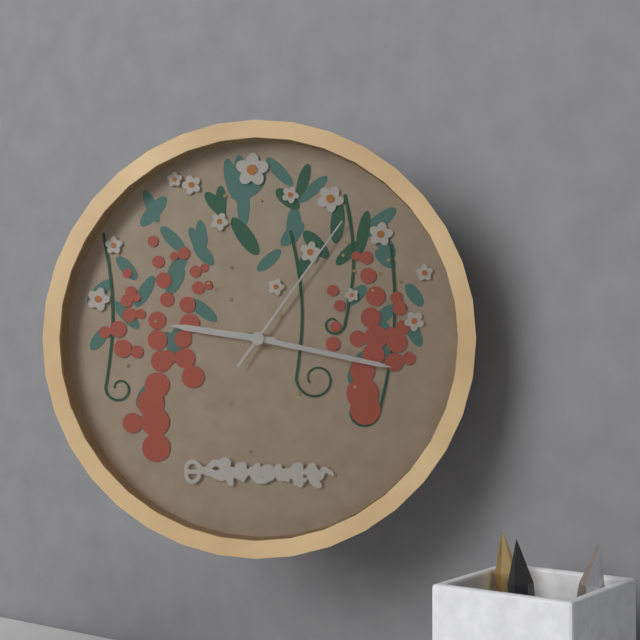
9.17.06
